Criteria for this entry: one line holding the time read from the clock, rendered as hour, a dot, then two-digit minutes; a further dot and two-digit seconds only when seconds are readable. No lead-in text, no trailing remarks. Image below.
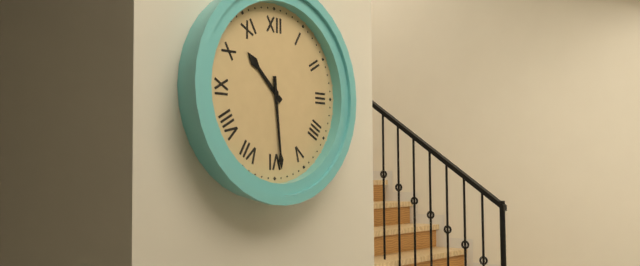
10.29
